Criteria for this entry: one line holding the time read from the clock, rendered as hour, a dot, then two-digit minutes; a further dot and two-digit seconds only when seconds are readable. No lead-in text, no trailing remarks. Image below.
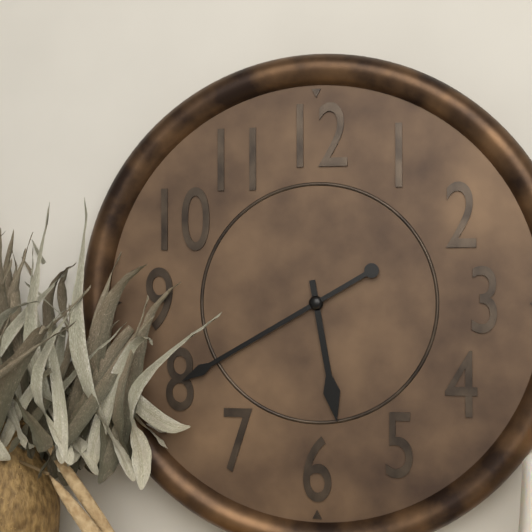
5.40
